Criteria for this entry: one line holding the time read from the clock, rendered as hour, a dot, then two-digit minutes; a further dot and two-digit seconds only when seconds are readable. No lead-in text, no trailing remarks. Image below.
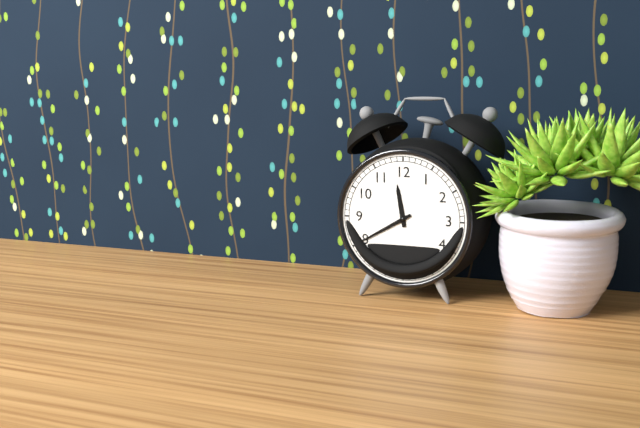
11.40
